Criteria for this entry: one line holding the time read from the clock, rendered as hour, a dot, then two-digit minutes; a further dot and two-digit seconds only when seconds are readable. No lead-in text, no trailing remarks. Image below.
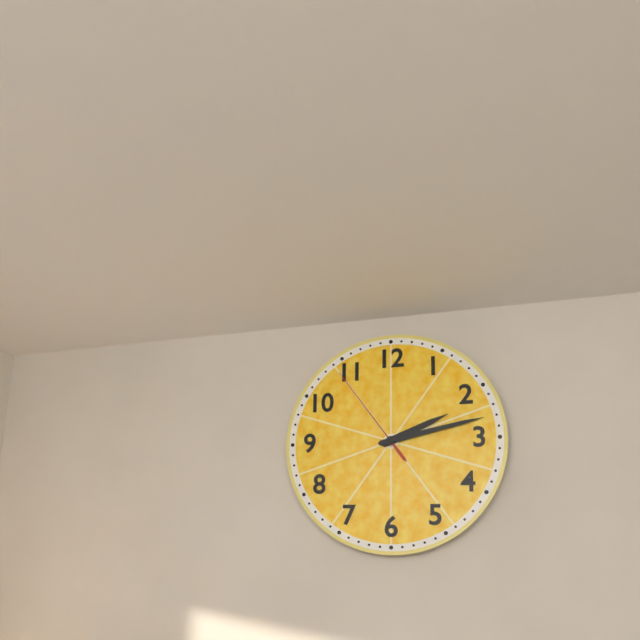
2.13.54
